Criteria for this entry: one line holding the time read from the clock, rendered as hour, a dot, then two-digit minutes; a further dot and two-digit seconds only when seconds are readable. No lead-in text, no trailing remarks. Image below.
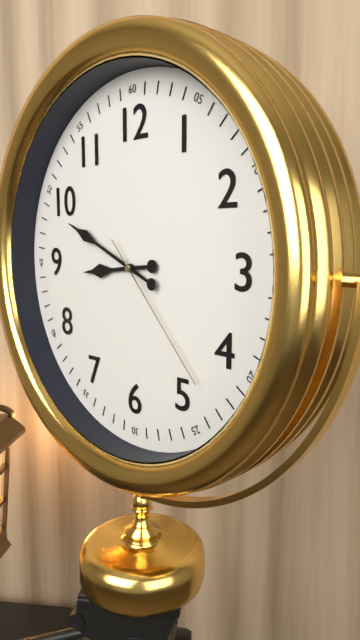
8.49.23
